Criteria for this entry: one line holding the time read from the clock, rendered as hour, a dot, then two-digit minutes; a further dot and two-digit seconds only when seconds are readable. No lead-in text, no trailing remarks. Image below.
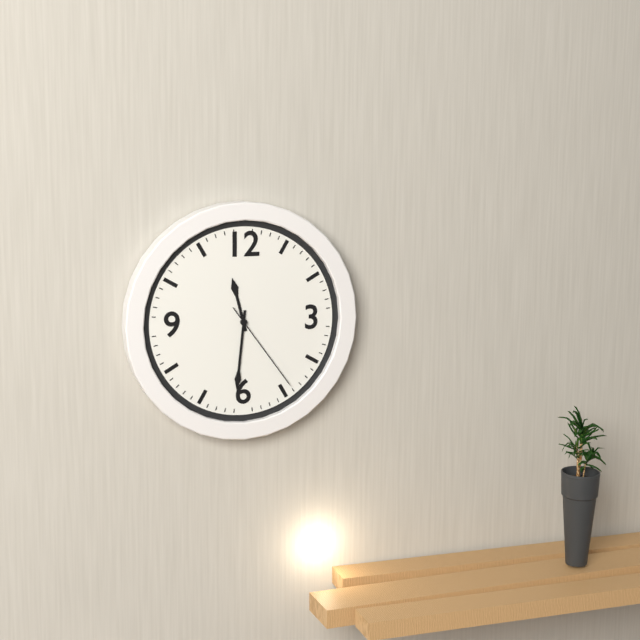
11.31.24
